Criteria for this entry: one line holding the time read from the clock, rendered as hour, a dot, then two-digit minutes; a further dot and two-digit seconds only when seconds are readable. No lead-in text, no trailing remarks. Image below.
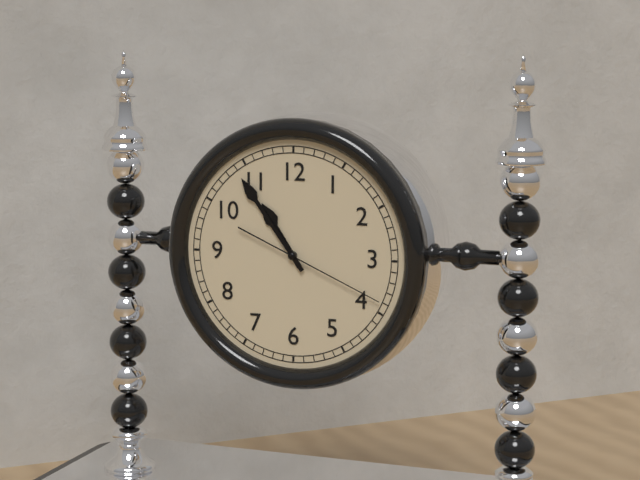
10.54.19
